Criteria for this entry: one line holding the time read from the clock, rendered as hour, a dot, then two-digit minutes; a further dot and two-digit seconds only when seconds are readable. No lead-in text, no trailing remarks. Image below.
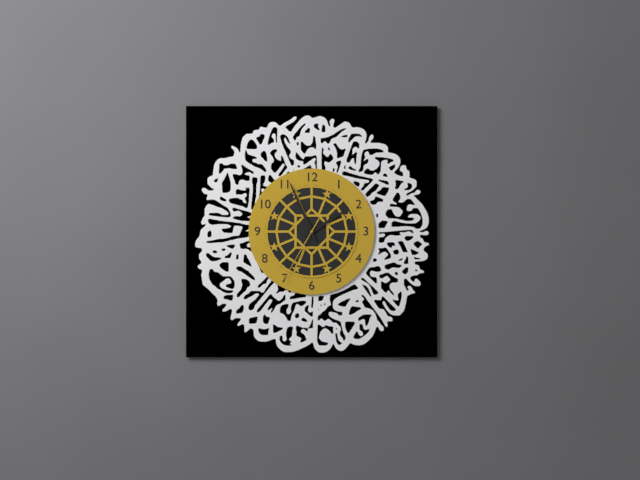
1.56.35
